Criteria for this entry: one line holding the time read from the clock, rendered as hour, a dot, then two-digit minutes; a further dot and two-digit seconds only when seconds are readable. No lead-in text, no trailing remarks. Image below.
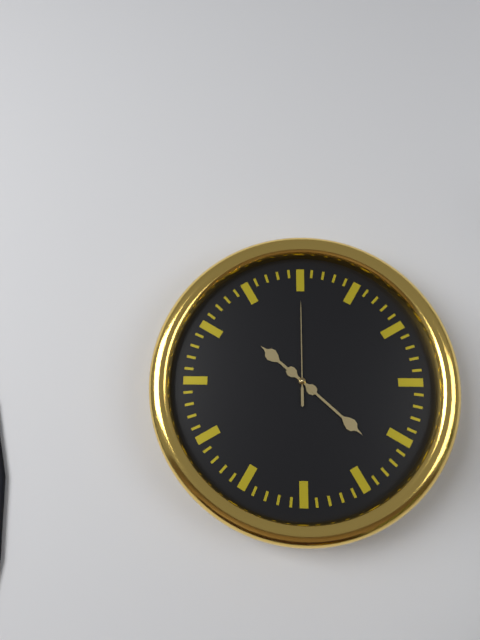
10.22.00
